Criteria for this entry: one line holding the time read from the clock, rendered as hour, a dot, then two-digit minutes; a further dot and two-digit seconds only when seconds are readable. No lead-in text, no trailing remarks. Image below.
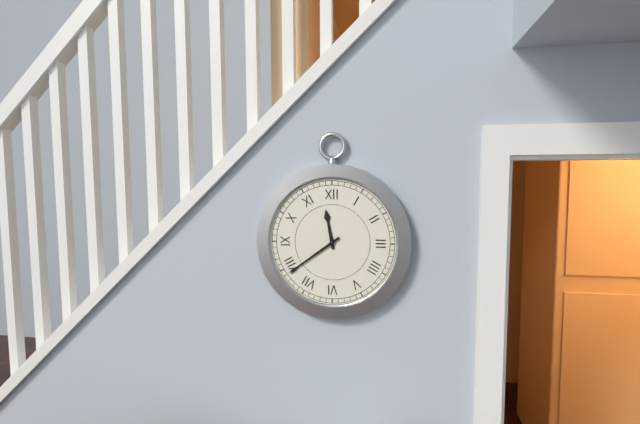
11.39
